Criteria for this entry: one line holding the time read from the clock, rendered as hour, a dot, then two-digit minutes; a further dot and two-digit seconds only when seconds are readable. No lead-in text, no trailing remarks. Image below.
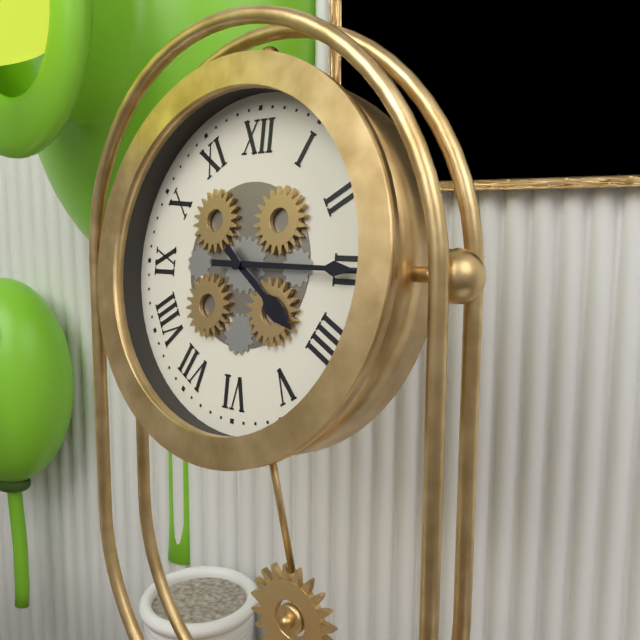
4.15
